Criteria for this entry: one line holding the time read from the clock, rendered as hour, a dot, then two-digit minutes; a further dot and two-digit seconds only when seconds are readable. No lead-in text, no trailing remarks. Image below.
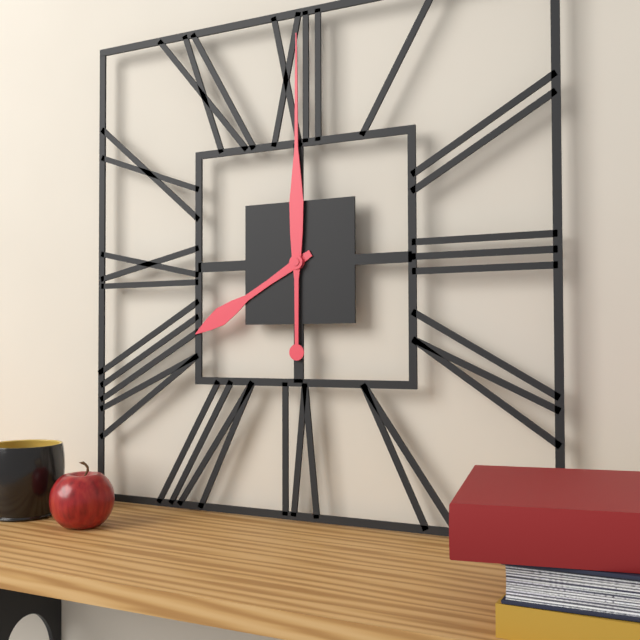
8.00
